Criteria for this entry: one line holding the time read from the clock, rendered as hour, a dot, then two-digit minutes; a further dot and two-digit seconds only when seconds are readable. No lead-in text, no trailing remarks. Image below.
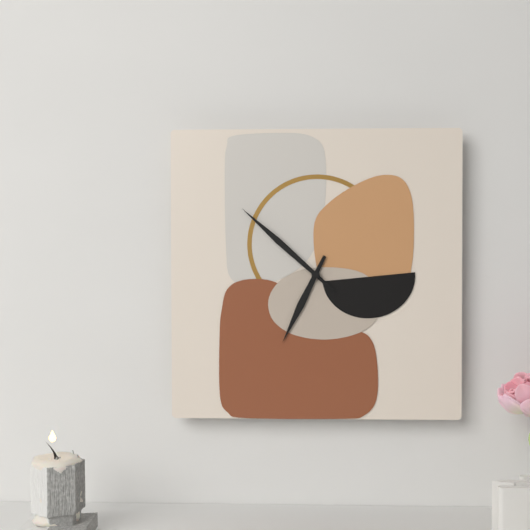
6.52
